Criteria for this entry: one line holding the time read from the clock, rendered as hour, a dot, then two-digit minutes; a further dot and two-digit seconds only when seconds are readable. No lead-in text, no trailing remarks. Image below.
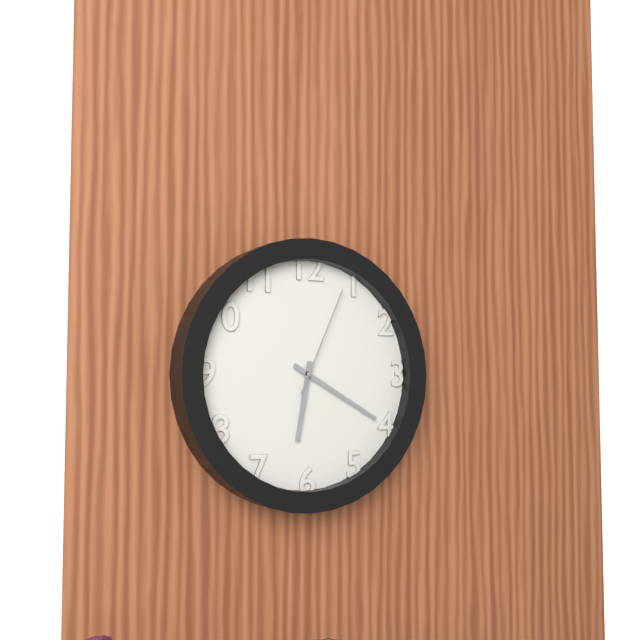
6.20.04
